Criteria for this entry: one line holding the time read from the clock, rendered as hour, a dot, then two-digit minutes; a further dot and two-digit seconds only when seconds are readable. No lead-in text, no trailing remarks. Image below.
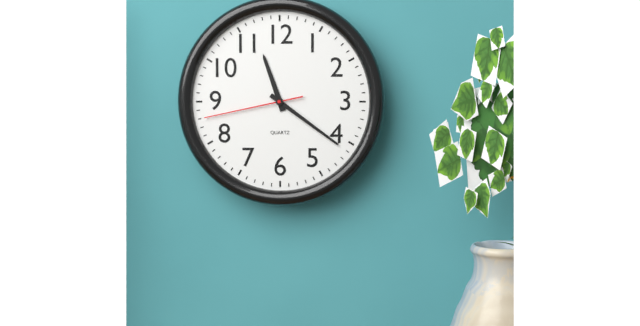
11.21.43
